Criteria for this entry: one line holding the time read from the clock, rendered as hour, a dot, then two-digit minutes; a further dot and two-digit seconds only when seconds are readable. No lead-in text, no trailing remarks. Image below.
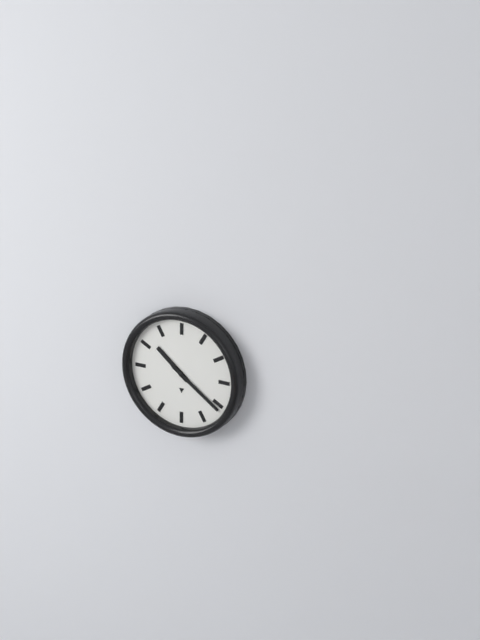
10.21
